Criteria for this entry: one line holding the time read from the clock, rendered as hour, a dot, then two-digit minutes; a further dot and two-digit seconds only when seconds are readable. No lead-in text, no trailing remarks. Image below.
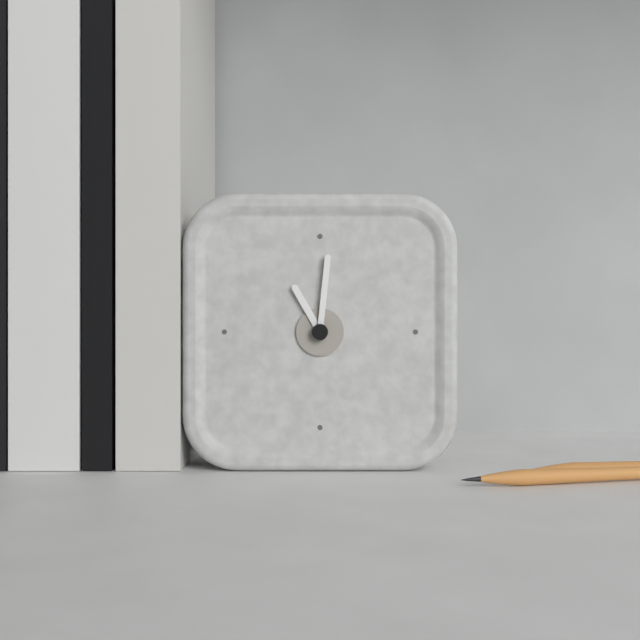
11.01
